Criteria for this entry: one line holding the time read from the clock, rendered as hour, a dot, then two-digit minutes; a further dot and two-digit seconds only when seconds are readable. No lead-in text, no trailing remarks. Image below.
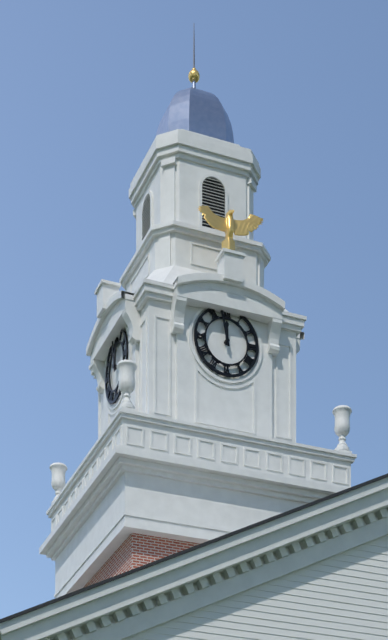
11.58
